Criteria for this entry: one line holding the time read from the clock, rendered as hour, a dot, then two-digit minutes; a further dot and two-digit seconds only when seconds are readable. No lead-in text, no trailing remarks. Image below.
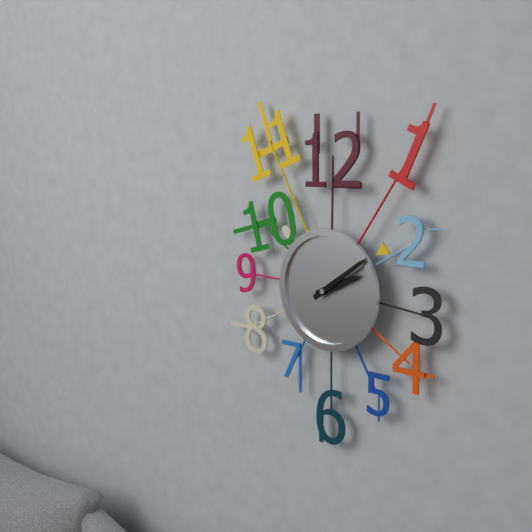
2.09
